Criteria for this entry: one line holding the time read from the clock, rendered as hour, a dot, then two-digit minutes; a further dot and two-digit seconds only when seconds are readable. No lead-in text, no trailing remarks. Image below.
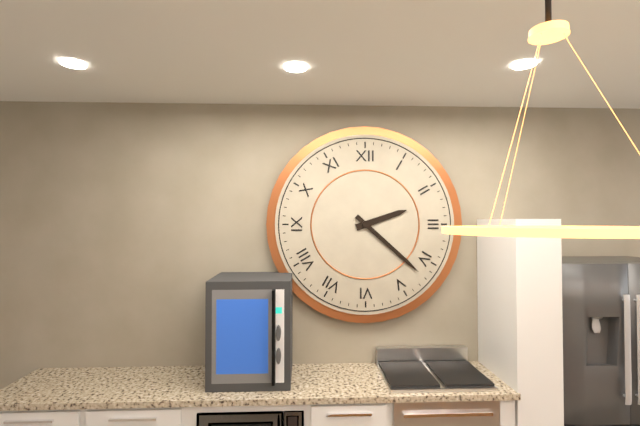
2.22
